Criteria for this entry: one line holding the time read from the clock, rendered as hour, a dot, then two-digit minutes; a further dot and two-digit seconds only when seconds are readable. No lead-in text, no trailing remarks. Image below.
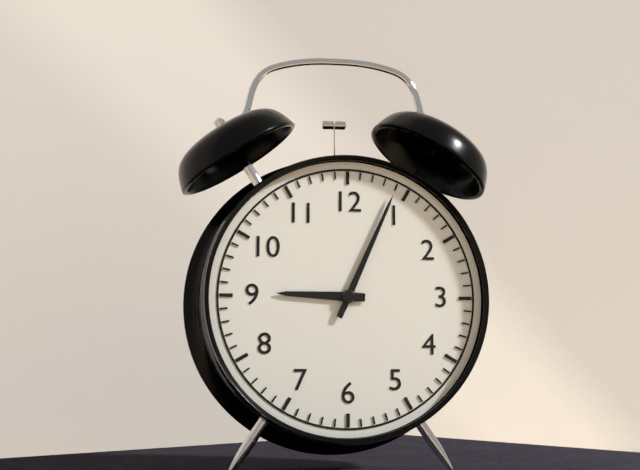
9.04
